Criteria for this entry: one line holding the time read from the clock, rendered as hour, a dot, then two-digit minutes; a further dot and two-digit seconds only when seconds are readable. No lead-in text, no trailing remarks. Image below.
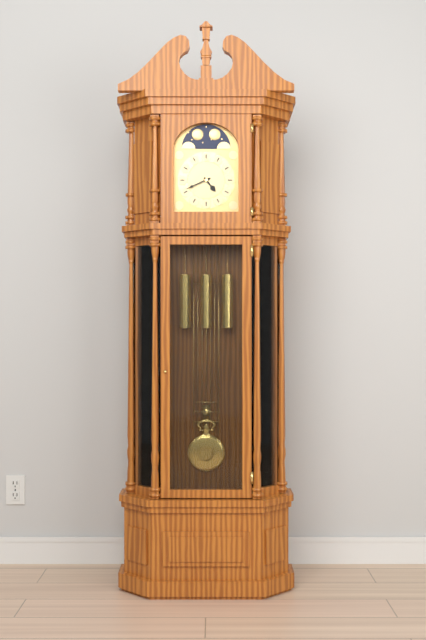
4.41
